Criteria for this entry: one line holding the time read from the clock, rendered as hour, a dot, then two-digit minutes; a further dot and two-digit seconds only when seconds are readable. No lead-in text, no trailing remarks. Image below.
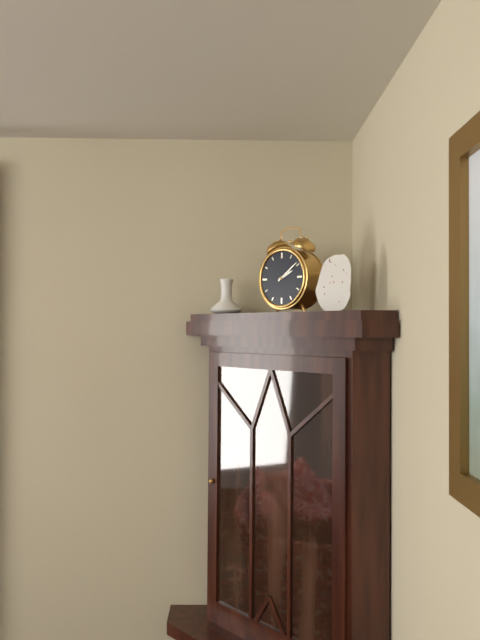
2.09
